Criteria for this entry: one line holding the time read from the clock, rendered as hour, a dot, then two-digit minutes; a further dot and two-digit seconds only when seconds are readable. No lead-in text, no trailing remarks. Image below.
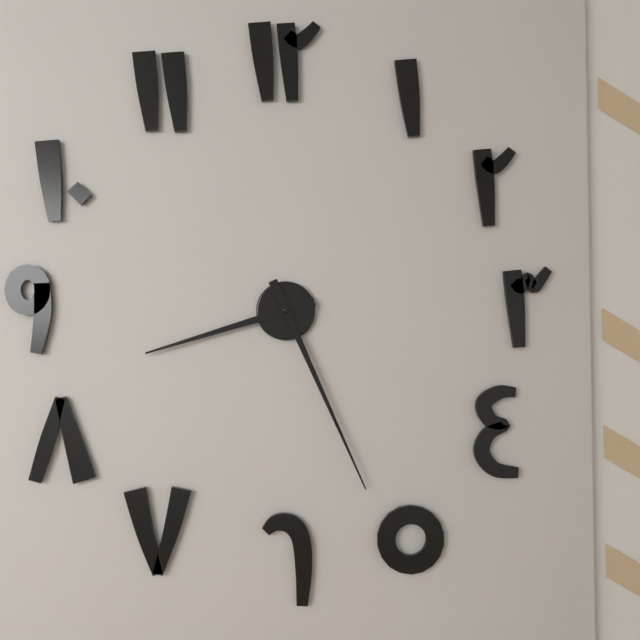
8.26
